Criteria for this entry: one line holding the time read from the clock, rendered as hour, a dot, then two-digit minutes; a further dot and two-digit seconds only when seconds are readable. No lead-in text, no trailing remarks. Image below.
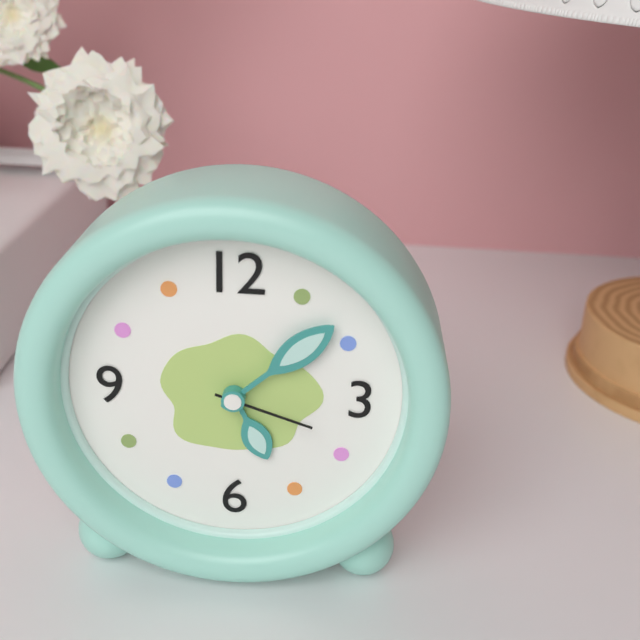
5.08.18
